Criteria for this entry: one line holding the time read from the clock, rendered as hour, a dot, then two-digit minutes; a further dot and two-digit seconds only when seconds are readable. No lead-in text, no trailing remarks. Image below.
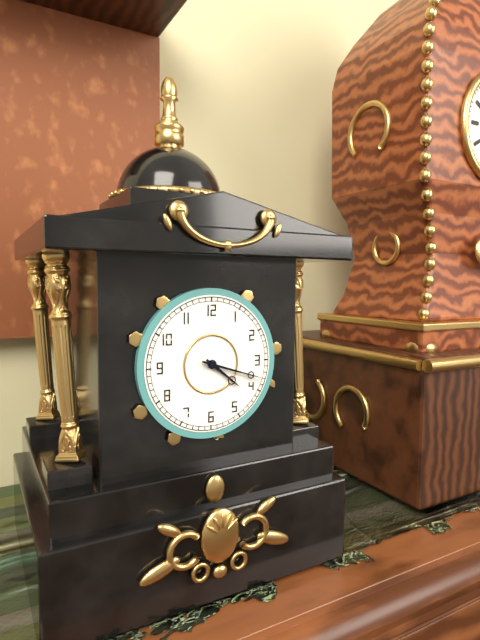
4.18
